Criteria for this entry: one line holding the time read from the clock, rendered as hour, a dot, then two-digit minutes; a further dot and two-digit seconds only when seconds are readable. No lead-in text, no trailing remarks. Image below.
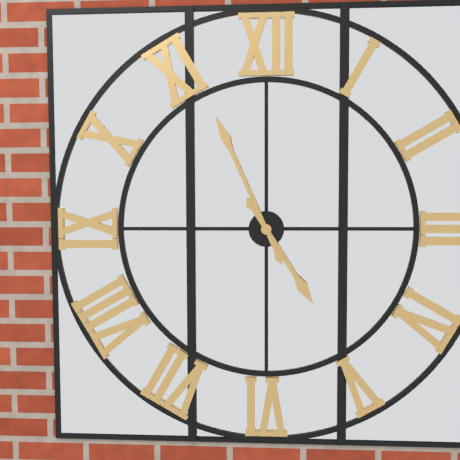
4.56
